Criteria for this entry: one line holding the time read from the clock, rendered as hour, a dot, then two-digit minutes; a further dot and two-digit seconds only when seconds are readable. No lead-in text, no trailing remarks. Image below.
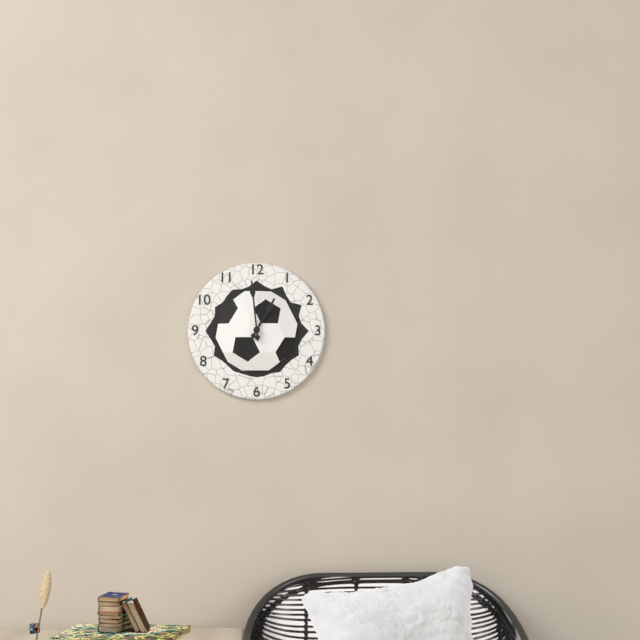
12.59
